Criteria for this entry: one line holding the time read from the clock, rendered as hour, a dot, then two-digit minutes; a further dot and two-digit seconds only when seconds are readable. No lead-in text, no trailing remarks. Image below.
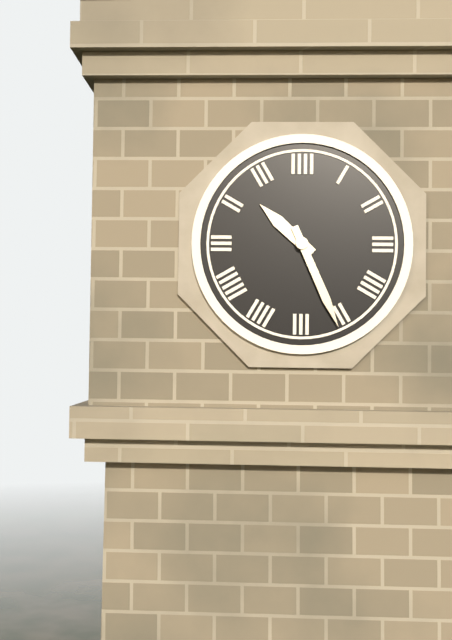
10.26
